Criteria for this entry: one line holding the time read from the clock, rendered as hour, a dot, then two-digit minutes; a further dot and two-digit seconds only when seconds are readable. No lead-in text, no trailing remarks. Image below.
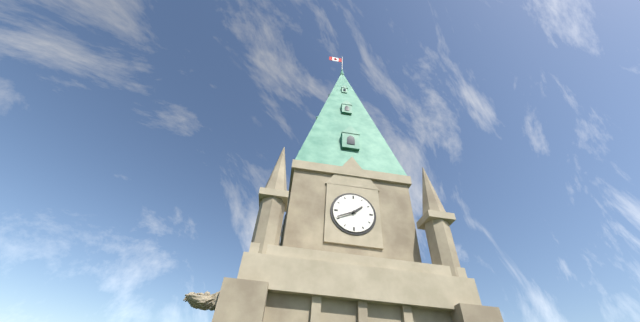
1.41
